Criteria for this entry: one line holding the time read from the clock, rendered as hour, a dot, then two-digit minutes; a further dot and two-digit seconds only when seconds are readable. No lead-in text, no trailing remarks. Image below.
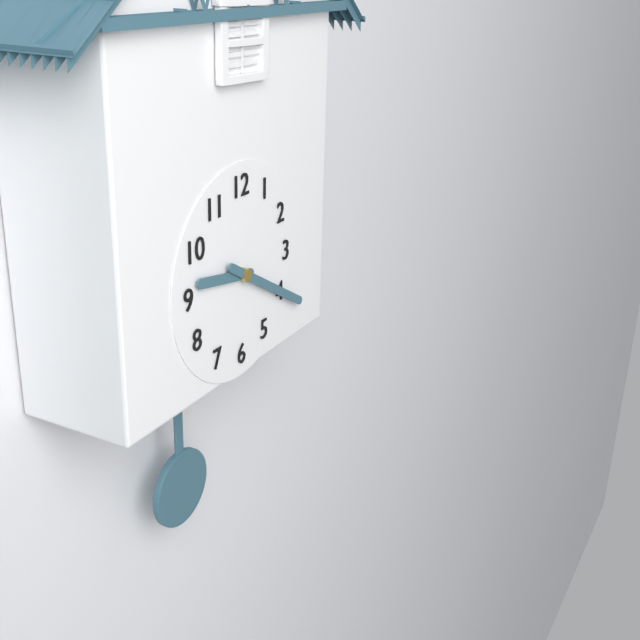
9.20
